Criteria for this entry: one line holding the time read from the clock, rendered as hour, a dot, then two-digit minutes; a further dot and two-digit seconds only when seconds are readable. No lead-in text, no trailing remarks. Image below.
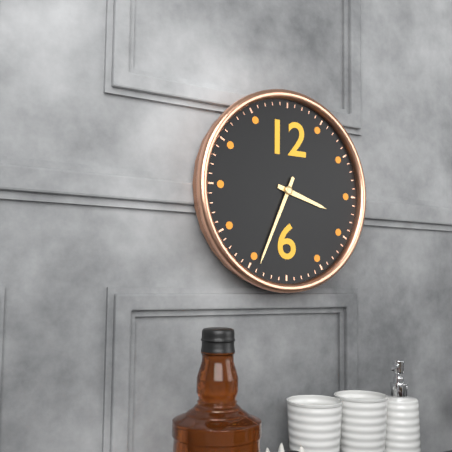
3.34
